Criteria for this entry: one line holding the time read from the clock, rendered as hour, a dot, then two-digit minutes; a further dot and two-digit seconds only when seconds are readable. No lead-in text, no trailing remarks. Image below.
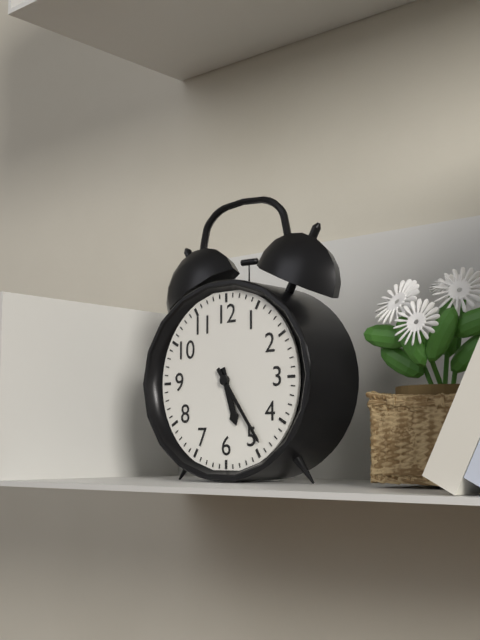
5.24
